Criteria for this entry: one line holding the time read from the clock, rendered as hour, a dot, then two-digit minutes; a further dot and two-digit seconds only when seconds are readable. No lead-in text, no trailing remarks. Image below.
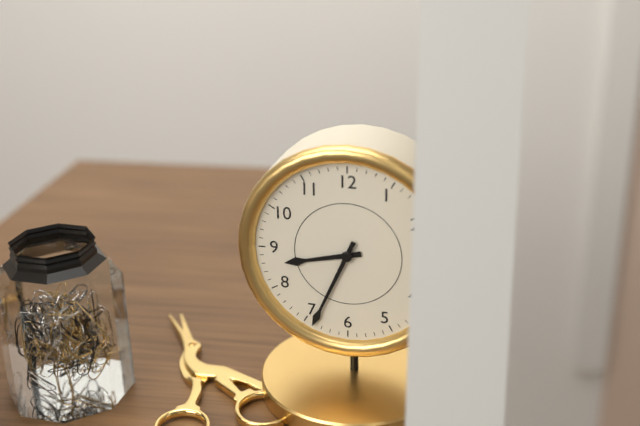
8.34
